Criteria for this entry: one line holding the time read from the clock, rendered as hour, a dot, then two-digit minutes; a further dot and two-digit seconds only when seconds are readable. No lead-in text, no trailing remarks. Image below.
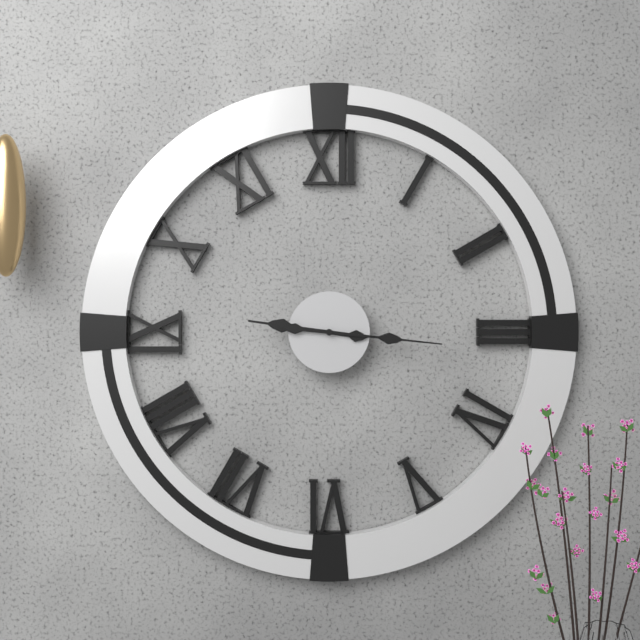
9.16
